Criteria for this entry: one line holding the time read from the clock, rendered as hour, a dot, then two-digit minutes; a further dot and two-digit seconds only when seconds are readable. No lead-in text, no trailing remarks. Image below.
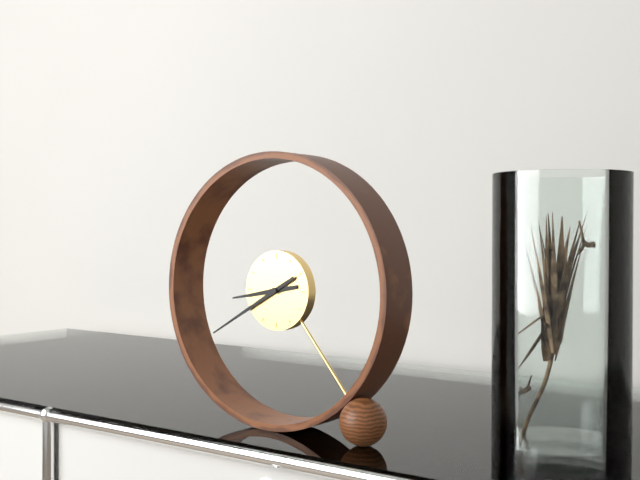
8.40
